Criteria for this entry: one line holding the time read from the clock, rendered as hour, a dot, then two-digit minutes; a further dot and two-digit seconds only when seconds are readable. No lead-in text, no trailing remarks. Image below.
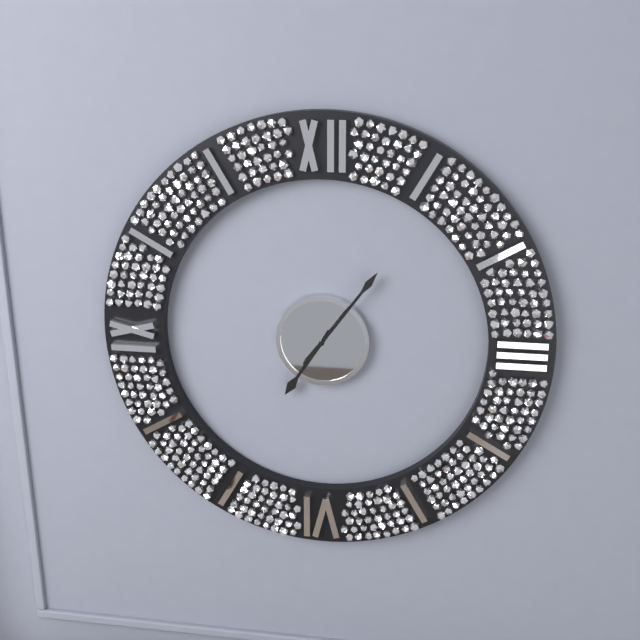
7.06
